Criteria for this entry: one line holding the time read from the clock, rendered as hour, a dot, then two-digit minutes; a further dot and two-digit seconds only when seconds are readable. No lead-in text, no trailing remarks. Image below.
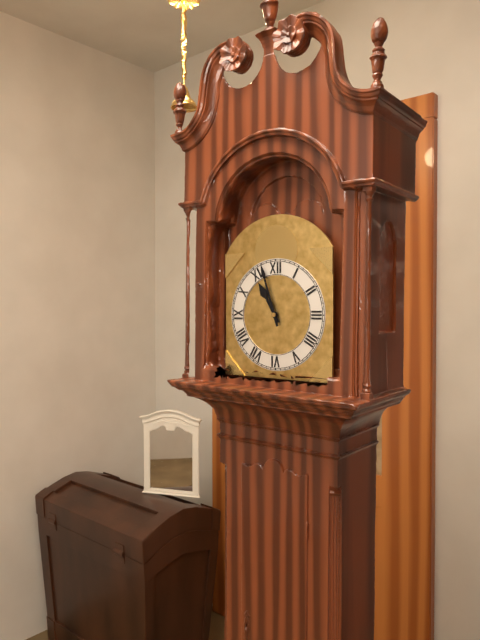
10.57
